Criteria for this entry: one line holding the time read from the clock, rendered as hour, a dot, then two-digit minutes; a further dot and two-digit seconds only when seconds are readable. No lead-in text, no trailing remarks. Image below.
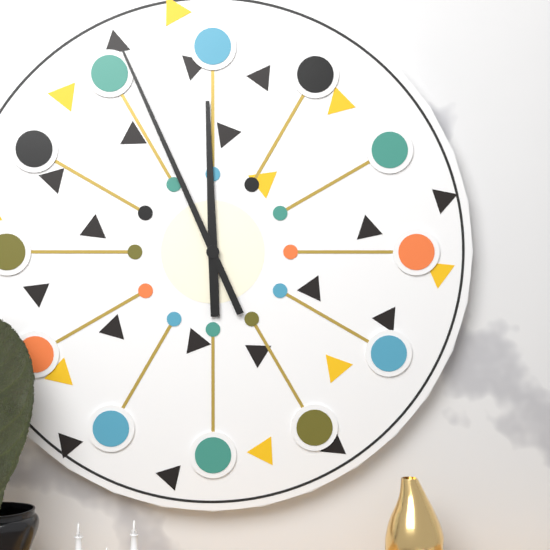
11.56
